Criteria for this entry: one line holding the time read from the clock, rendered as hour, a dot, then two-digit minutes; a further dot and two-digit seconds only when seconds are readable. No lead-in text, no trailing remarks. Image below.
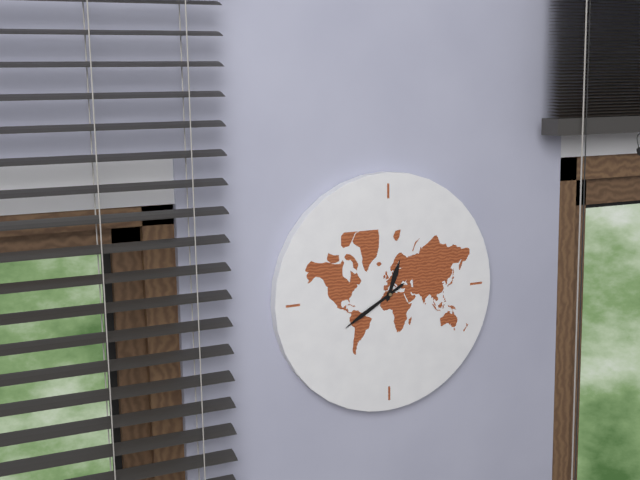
12.40
